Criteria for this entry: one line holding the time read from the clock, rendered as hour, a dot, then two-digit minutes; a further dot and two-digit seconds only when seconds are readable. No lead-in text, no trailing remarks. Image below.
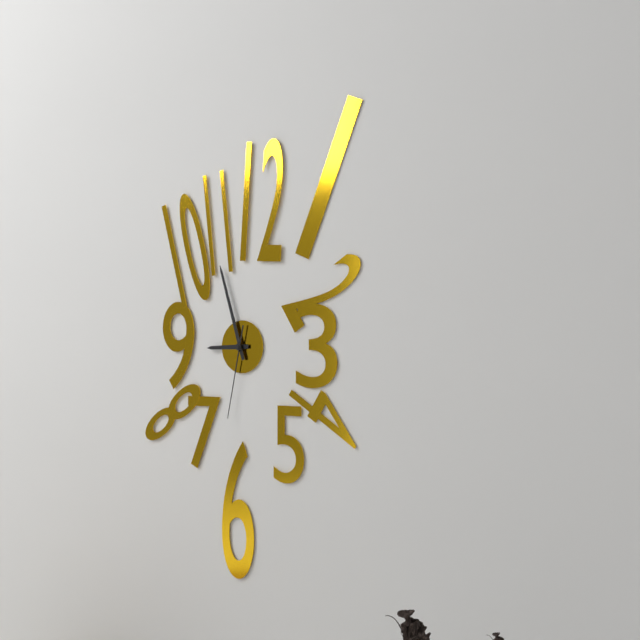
8.57.32
